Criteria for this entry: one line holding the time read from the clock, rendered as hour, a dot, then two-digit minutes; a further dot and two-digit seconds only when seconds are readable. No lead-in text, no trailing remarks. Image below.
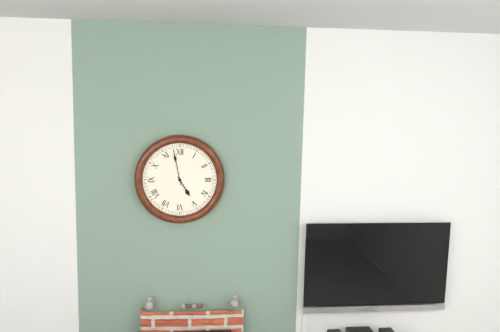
4.58
